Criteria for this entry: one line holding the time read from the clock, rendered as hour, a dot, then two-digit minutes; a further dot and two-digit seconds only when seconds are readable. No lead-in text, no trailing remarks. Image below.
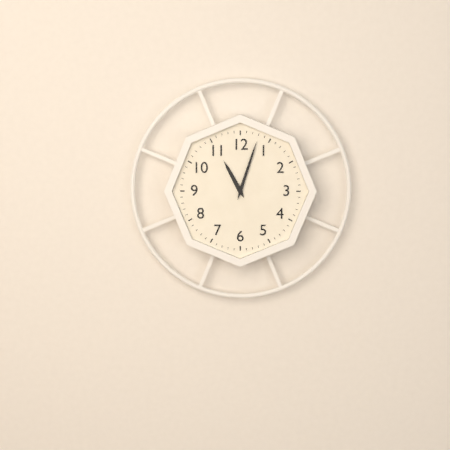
11.03
